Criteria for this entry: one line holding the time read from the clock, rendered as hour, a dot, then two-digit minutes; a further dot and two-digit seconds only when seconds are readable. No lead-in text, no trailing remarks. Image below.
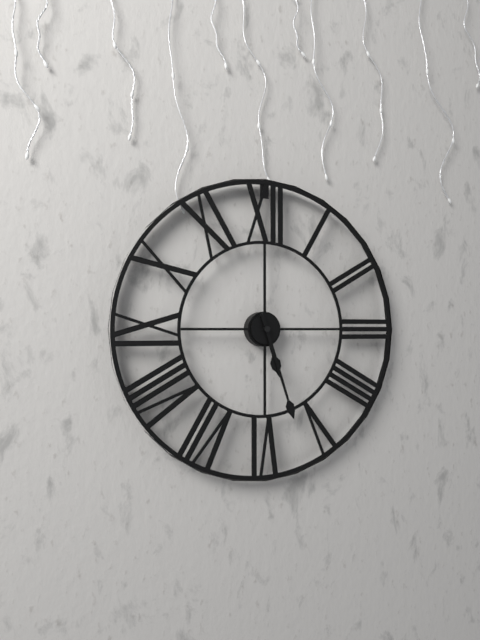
5.27
